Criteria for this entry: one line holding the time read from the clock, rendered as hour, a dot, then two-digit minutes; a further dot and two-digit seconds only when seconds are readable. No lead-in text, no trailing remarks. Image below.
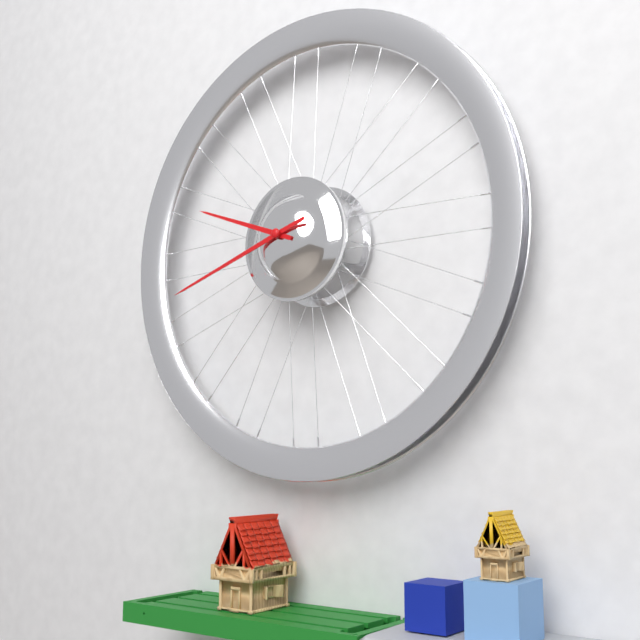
9.42
